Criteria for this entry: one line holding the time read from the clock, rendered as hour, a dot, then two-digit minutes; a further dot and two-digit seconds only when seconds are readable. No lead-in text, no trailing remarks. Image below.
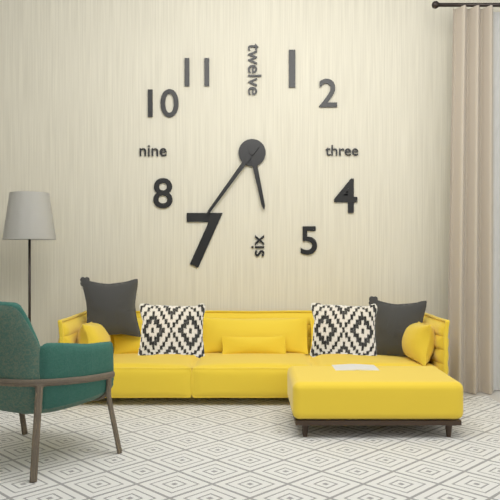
5.36
